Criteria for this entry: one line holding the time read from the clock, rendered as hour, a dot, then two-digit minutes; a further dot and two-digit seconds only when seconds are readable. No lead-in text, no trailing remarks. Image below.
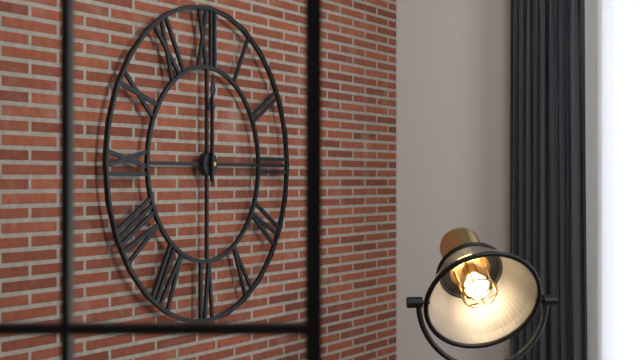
12.00
